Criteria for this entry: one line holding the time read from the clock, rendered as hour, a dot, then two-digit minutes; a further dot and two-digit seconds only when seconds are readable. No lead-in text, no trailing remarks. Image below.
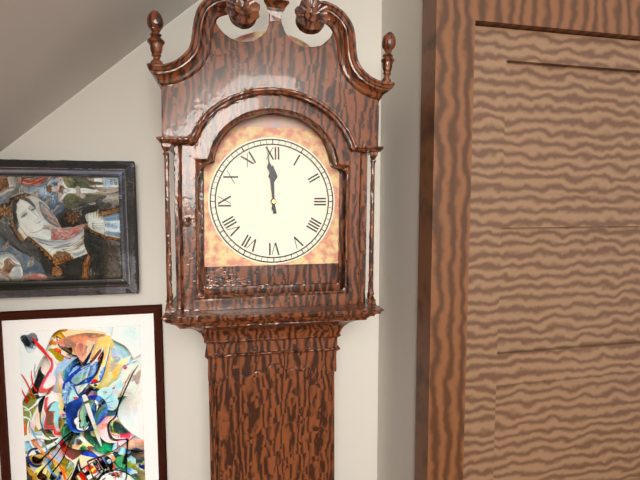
11.59
